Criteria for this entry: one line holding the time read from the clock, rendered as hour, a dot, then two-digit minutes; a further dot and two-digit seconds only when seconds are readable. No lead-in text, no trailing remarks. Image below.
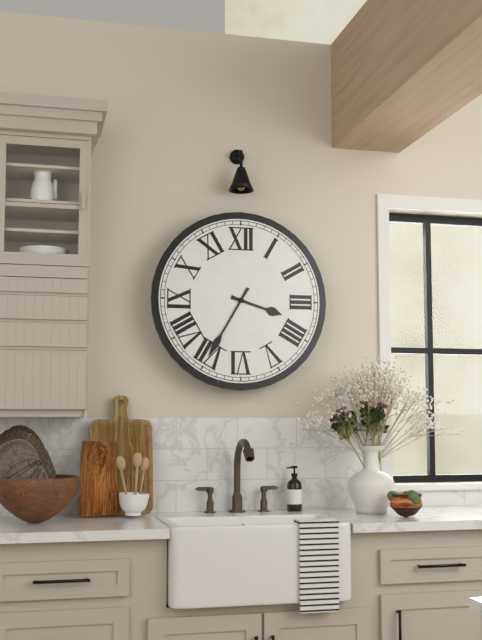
3.35
